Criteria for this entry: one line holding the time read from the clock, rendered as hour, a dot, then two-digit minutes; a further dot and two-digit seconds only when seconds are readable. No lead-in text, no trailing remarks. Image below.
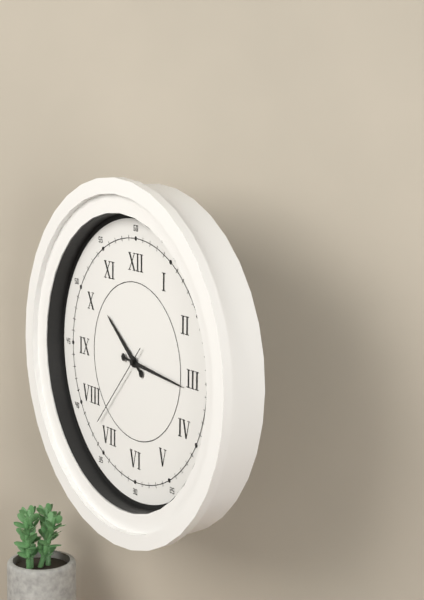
10.16.37
